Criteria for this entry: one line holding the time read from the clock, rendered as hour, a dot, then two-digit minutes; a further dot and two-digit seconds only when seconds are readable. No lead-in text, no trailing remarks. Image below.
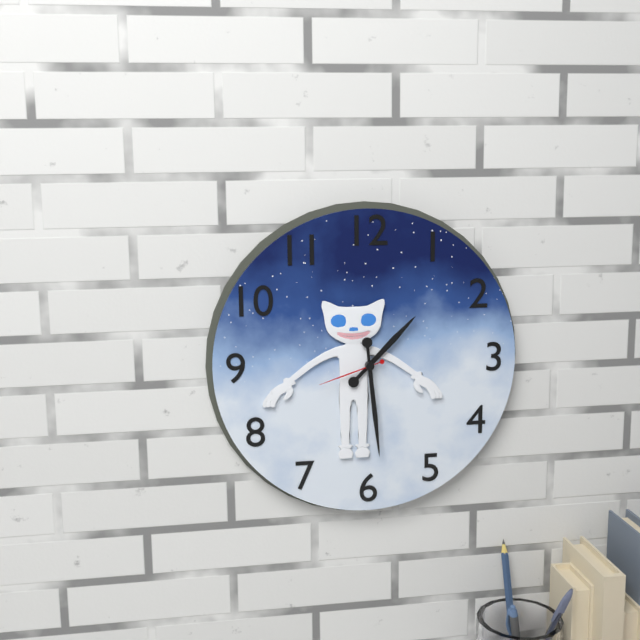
1.29.42
